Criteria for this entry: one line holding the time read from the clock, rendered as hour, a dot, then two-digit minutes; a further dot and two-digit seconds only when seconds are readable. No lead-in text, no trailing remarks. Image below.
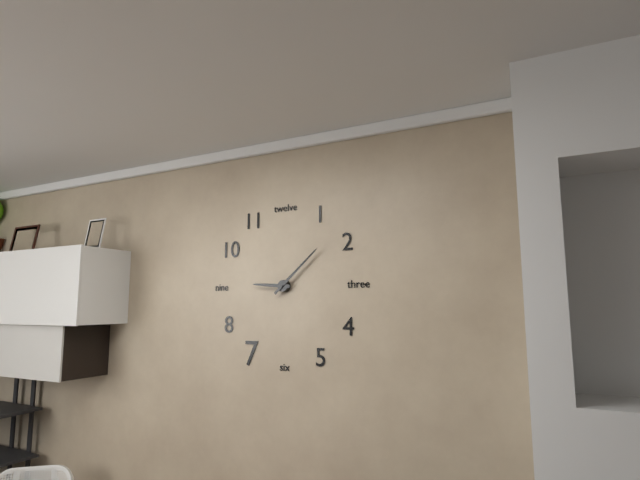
9.08
